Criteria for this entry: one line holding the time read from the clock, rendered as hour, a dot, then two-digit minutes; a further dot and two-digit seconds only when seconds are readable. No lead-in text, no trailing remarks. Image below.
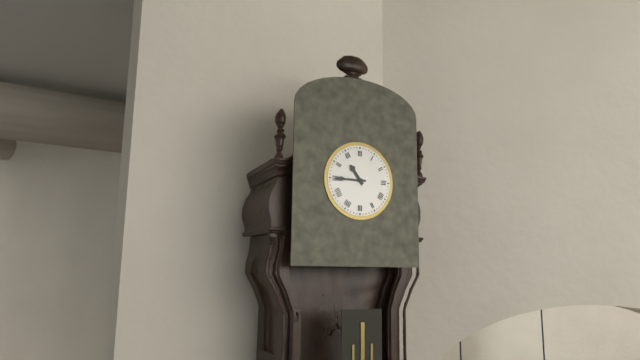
10.45
